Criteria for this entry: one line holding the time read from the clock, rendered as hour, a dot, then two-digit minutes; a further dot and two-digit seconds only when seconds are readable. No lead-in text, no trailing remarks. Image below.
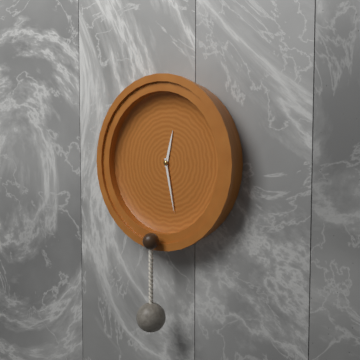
12.28
